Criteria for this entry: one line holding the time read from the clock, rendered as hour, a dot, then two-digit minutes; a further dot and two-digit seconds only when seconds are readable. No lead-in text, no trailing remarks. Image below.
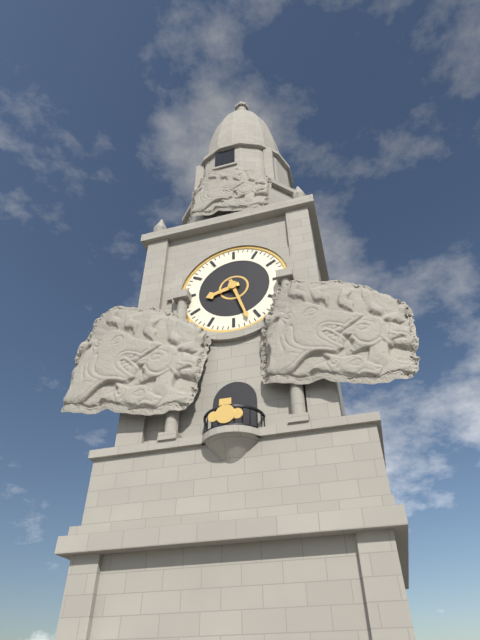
8.27
